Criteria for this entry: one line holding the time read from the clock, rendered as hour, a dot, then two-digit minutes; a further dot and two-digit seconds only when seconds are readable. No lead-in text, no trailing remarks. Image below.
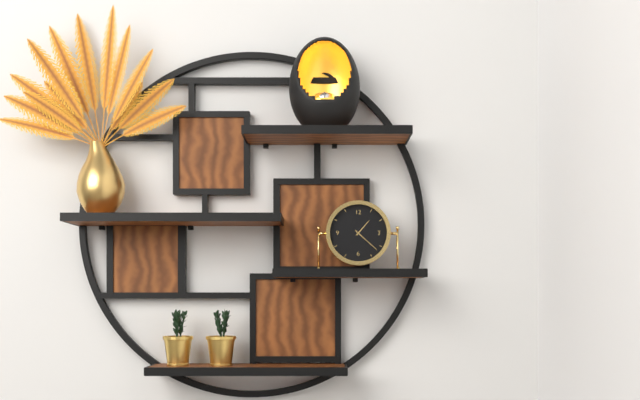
1.22
